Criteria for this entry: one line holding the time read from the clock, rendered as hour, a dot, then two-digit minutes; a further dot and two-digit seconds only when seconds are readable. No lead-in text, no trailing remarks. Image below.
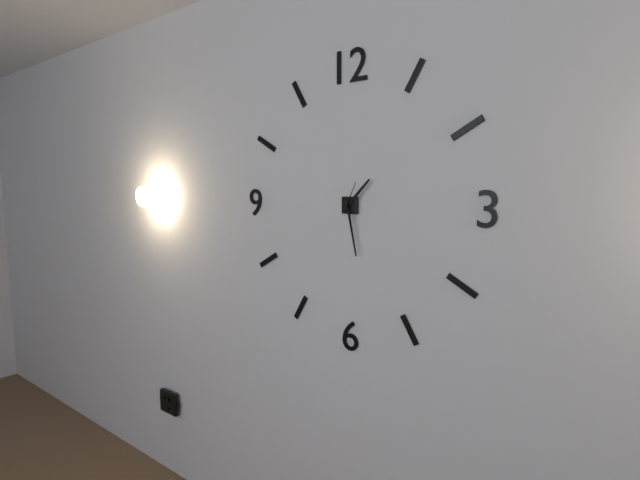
1.28
